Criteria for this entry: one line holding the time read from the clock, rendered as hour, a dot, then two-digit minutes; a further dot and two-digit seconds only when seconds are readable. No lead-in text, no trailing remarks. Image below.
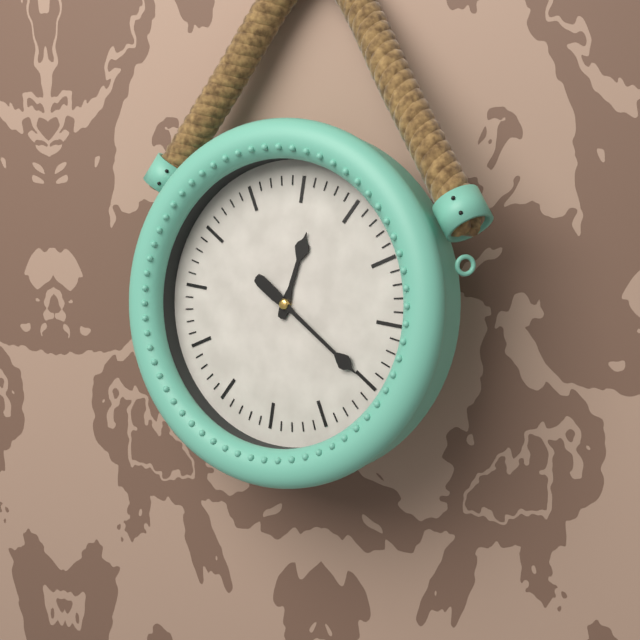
12.20
